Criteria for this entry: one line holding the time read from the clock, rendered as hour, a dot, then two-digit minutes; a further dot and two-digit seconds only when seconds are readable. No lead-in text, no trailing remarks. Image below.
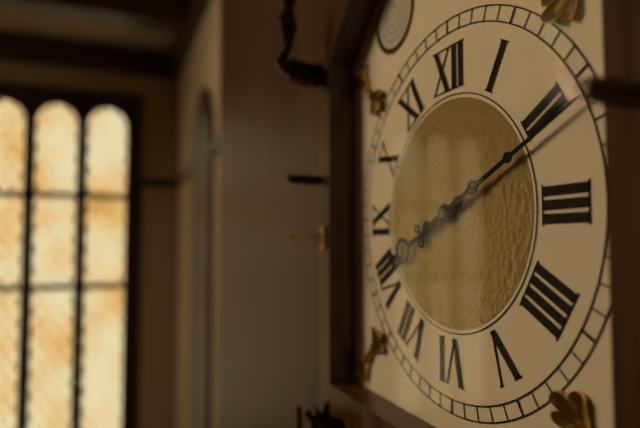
8.11
